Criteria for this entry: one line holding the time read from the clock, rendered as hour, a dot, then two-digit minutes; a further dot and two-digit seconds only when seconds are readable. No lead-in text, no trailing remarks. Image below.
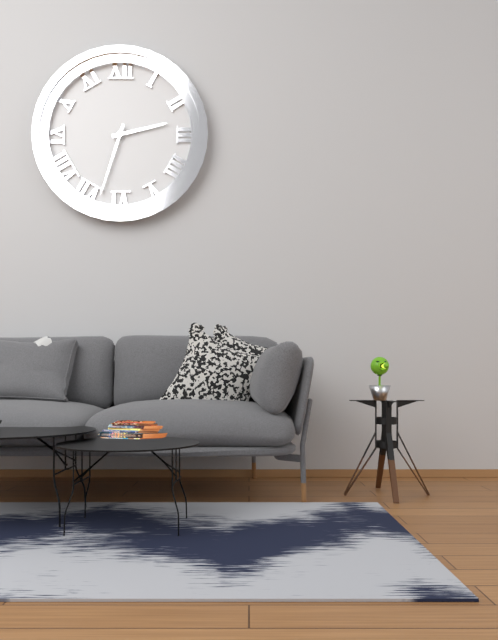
2.33
